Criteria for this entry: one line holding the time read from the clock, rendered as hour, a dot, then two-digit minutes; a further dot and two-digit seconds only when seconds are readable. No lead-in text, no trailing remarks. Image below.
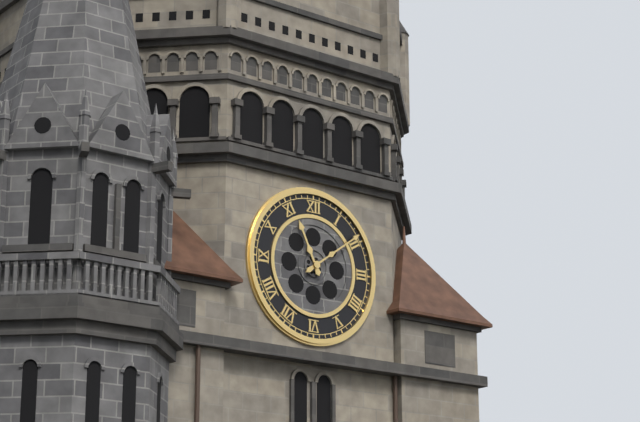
11.09
